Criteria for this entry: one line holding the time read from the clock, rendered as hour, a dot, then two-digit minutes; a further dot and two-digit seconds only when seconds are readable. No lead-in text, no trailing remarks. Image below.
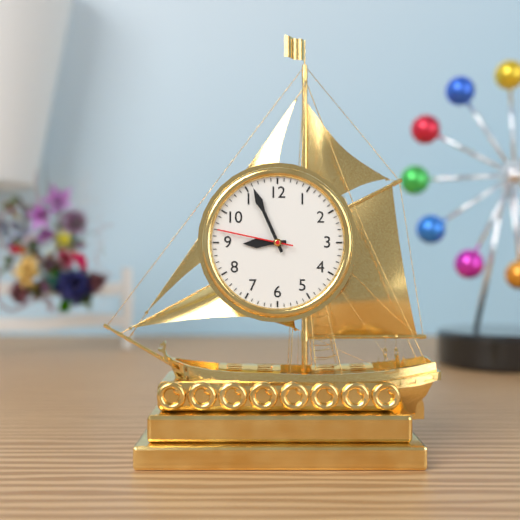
8.56.47
